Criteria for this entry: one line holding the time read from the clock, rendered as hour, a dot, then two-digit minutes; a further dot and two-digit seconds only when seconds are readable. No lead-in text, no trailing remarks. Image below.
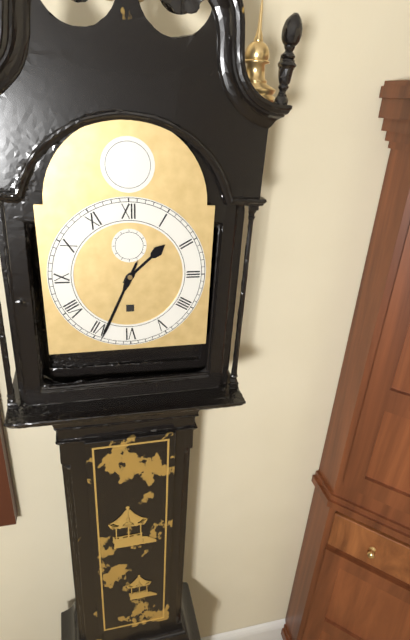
1.34
